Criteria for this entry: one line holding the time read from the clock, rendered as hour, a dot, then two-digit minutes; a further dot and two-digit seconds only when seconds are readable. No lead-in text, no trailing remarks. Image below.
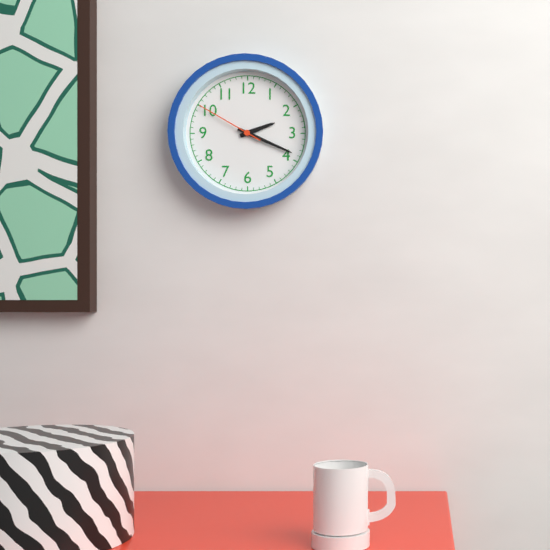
2.19.50
